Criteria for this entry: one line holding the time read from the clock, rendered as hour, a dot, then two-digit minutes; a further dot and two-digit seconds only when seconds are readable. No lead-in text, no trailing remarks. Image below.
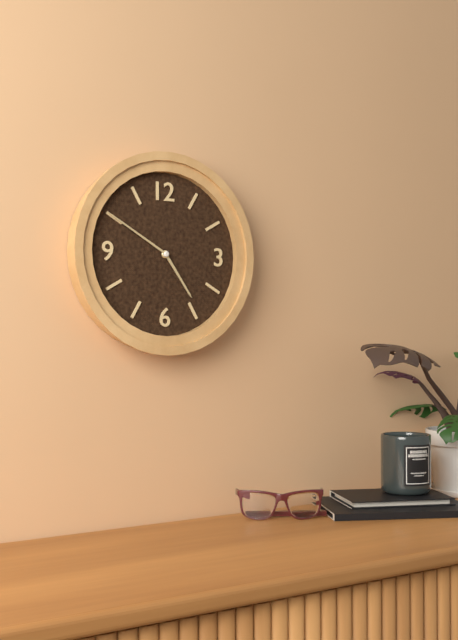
4.50
